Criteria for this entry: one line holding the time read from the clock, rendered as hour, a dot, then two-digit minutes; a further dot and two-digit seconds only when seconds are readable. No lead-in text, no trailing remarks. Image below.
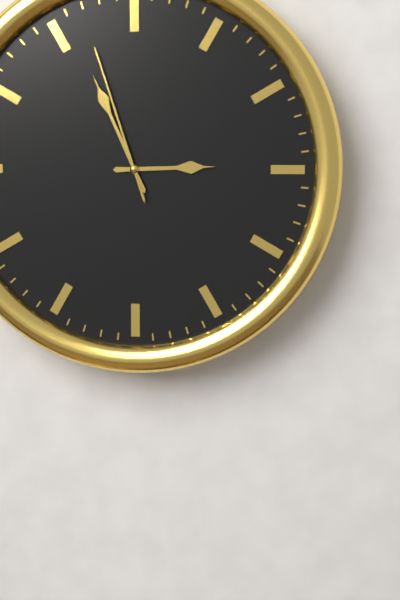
2.56.57
